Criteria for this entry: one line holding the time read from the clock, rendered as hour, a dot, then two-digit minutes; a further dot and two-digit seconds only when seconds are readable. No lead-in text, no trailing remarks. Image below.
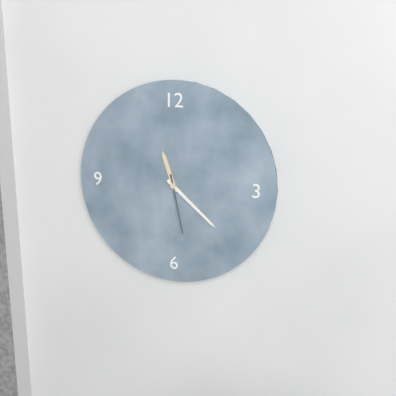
11.22.28
